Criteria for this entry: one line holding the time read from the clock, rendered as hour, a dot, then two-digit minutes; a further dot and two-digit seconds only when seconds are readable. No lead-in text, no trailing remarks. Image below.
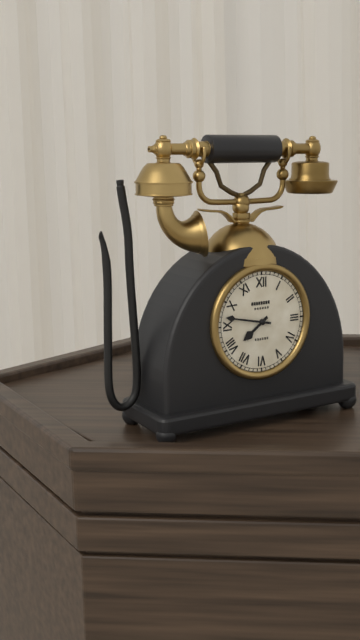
7.47
